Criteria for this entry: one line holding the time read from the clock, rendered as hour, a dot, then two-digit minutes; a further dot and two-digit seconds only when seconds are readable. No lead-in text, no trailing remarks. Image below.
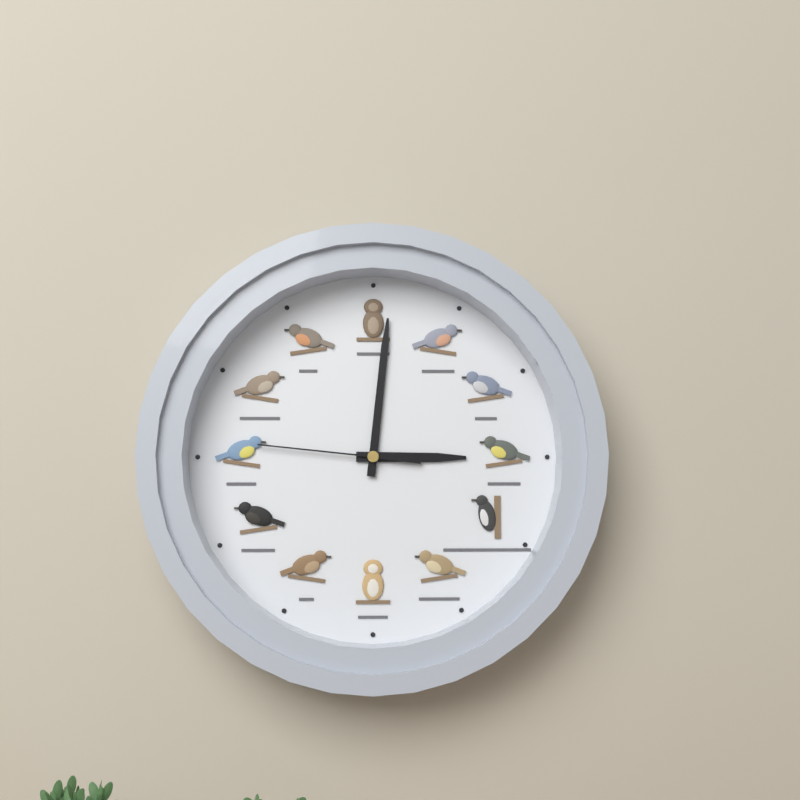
3.01.46
